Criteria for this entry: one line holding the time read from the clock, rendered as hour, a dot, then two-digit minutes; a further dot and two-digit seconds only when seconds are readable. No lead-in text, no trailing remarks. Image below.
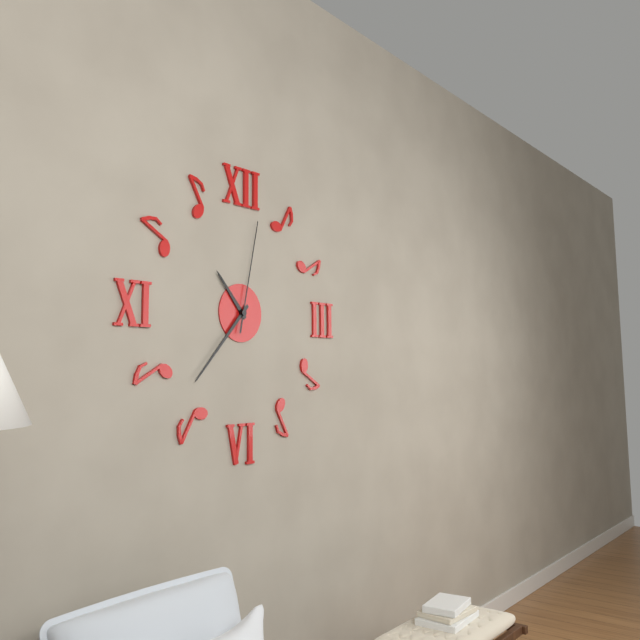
10.37.02
